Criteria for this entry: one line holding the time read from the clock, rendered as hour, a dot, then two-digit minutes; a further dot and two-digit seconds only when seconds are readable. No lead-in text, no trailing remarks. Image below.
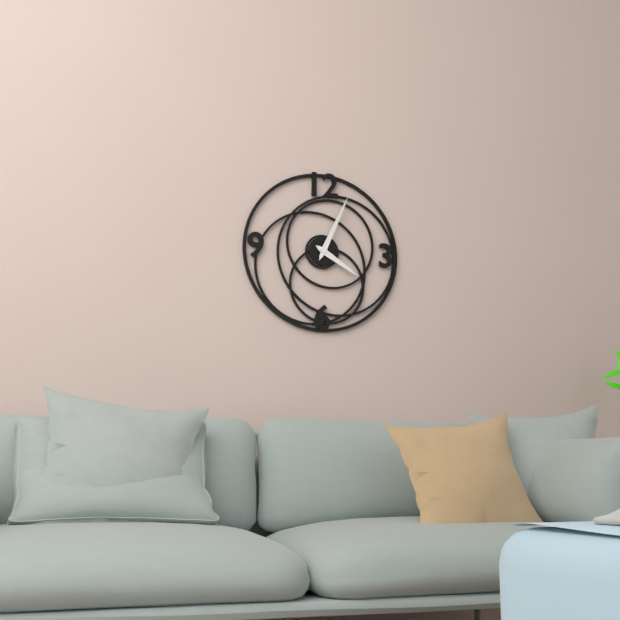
4.04
